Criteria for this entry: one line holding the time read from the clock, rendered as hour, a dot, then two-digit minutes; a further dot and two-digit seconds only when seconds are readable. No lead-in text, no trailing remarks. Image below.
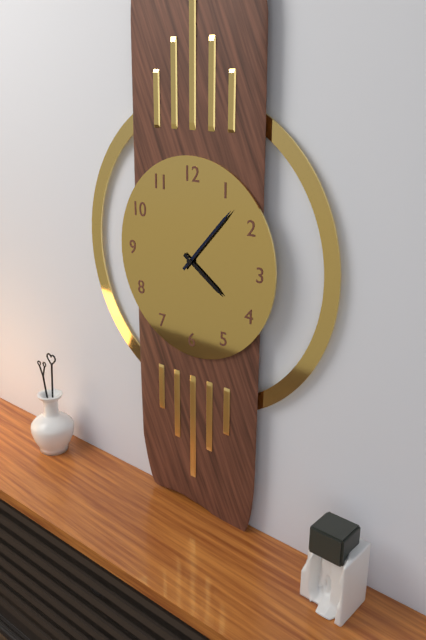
4.07
